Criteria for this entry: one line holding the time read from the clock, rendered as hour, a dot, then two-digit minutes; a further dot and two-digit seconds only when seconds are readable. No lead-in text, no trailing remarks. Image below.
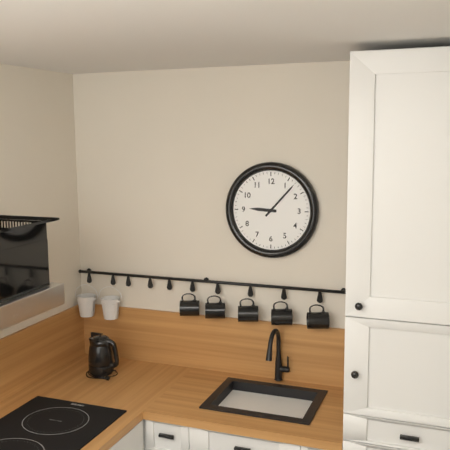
9.07
